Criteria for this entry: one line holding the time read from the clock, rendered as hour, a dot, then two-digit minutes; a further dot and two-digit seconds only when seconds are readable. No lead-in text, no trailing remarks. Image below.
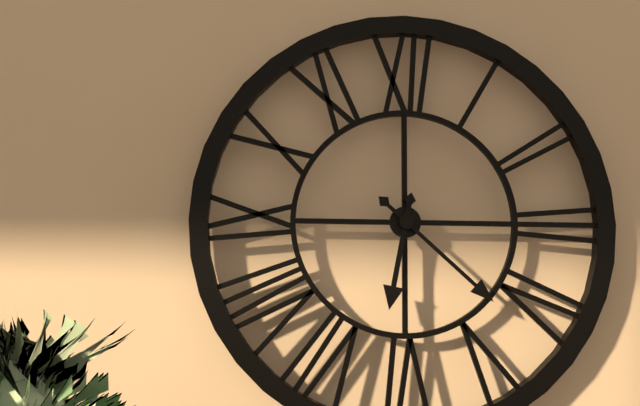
6.22
